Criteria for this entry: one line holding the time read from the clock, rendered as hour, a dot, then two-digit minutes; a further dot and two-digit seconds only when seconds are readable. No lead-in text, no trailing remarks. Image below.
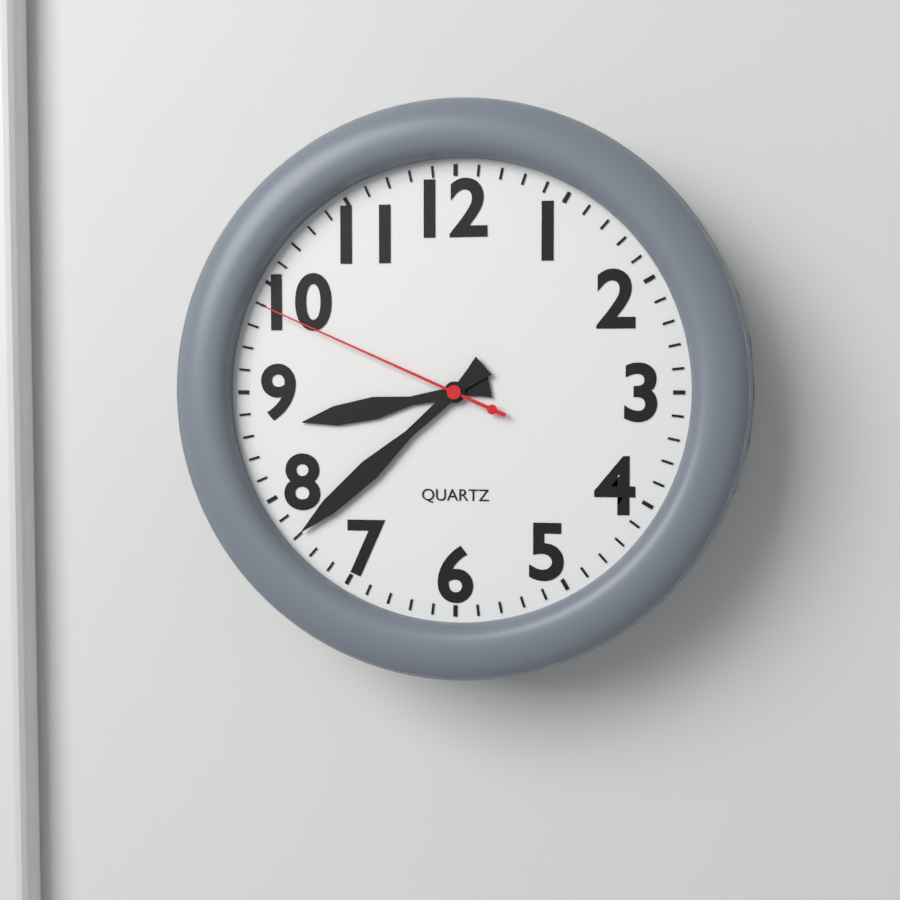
8.38.49
